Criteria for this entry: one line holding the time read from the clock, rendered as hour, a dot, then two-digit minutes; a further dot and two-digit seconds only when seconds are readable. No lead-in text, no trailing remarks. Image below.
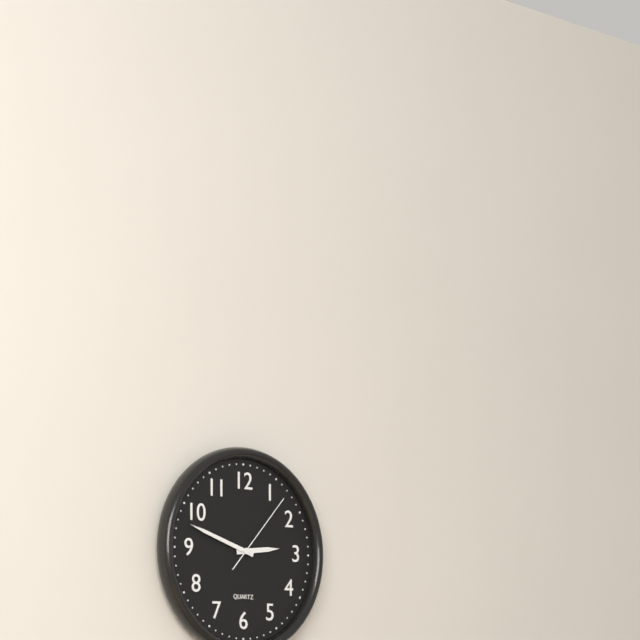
2.48.07
